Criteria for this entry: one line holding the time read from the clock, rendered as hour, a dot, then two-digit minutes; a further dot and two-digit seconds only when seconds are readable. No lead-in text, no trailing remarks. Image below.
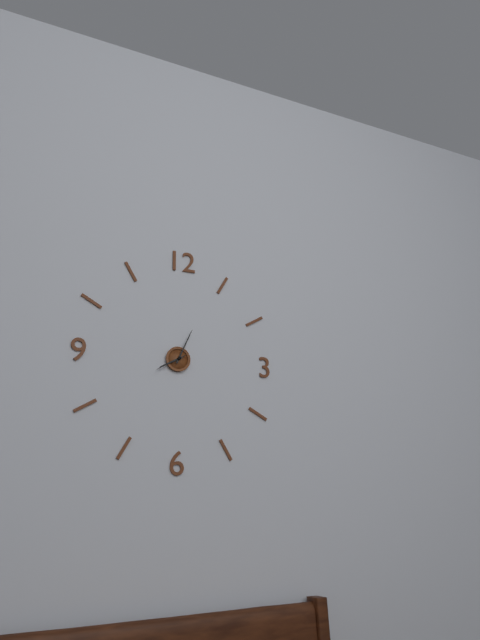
8.04
